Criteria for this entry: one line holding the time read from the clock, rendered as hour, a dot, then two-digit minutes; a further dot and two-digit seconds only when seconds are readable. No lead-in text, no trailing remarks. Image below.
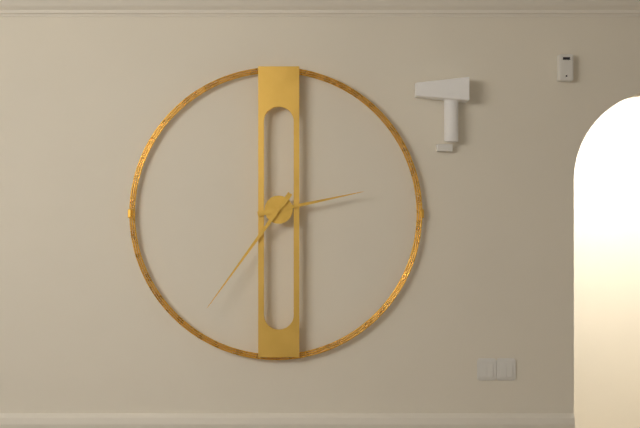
2.36
